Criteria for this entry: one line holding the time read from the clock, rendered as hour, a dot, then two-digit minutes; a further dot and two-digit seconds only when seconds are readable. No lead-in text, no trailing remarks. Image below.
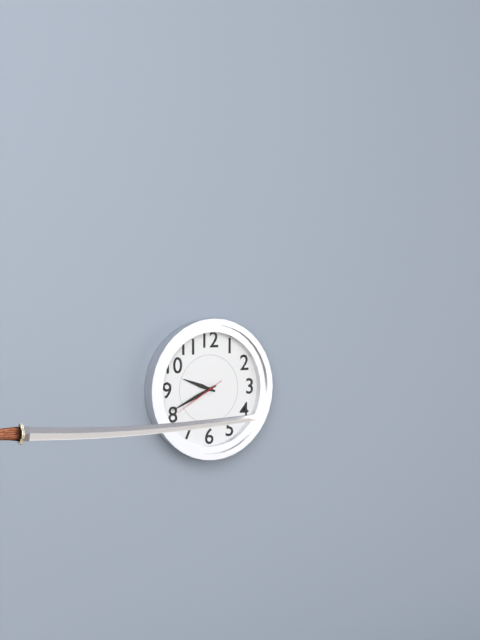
9.41.40
